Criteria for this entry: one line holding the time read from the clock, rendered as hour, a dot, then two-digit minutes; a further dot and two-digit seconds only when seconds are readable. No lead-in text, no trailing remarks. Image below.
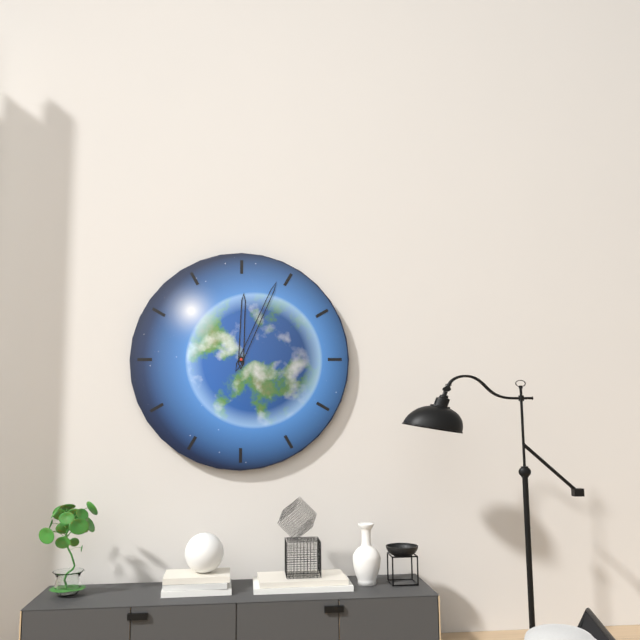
12.04
